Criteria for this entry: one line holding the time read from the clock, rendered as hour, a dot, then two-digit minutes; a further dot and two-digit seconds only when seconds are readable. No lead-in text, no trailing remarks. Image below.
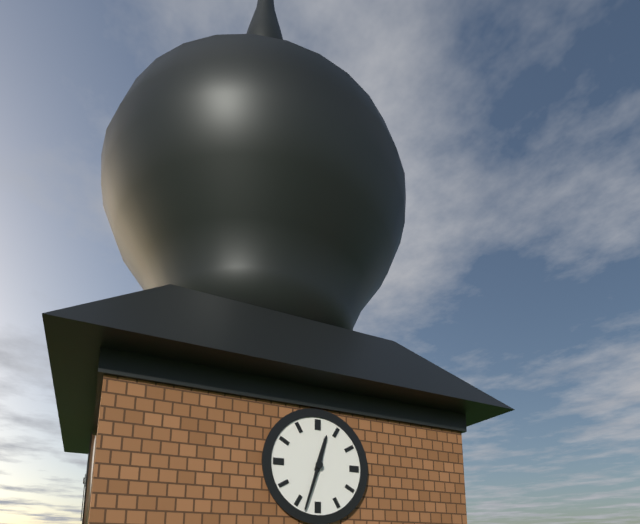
12.33
